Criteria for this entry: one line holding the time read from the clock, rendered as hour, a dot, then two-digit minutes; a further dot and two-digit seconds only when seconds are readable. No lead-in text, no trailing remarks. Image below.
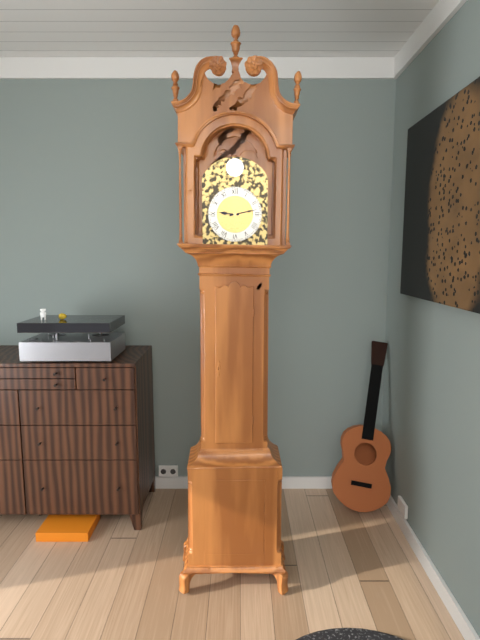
9.13
